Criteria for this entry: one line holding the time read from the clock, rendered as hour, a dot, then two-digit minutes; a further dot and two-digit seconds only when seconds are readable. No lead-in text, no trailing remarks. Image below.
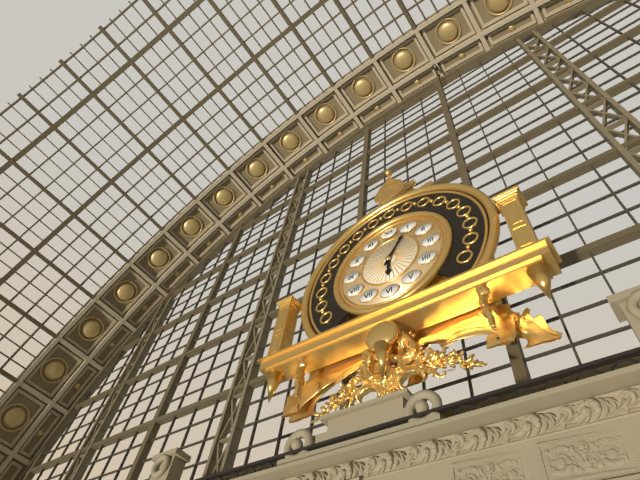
6.05
